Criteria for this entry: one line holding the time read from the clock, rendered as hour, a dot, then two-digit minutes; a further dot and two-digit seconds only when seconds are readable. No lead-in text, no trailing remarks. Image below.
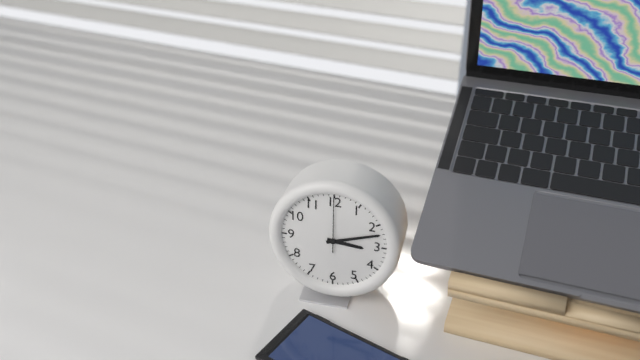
3.12.00
